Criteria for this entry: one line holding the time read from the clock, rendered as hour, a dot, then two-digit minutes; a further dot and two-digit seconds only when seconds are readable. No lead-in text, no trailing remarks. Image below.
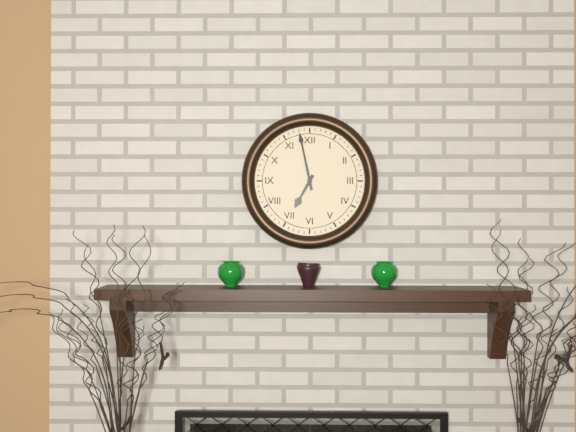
6.58
